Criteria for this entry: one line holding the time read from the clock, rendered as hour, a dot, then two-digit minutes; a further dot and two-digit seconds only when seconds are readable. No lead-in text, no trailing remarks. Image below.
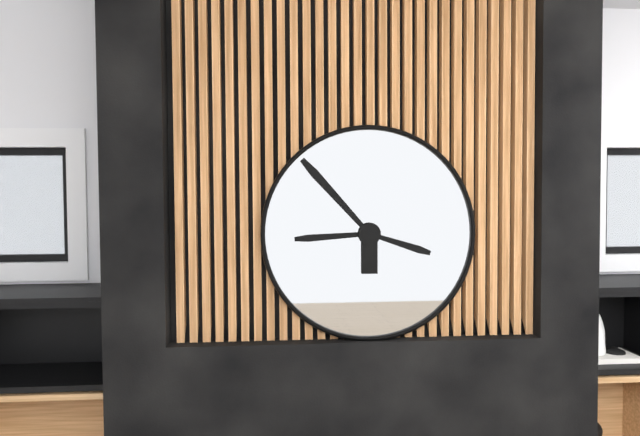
8.53.18
